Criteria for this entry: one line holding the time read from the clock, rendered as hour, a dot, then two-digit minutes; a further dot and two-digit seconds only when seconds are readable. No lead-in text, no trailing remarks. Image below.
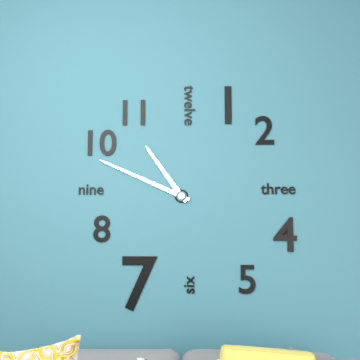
10.49
